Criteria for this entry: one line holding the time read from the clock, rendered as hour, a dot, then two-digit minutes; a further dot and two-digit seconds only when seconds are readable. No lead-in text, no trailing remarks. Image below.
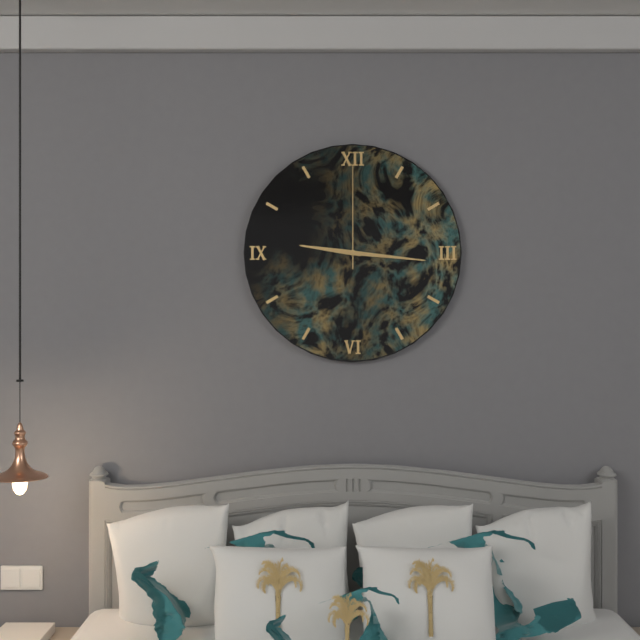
9.16.00
